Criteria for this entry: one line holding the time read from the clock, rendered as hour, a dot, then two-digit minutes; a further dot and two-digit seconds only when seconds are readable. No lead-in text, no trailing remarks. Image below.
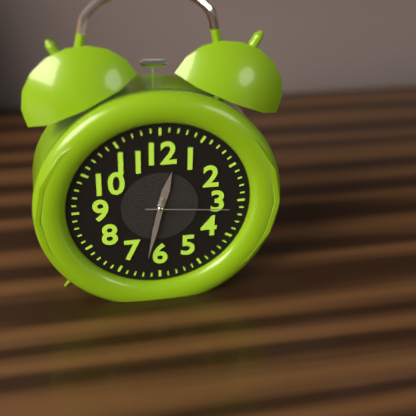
12.32.16
